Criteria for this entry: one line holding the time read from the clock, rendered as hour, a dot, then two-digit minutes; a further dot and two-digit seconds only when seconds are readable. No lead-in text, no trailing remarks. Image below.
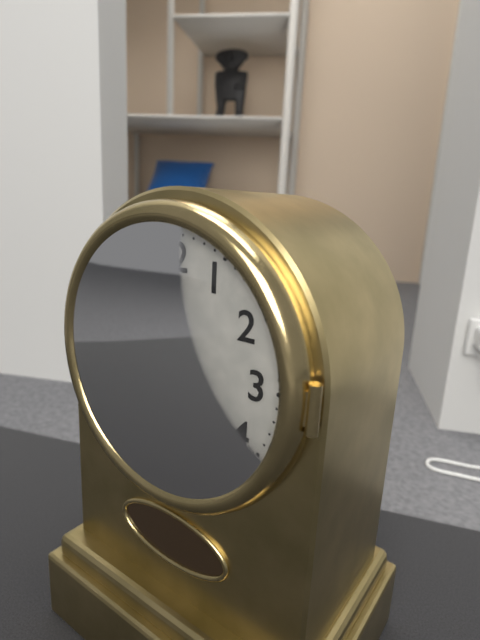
10.52
